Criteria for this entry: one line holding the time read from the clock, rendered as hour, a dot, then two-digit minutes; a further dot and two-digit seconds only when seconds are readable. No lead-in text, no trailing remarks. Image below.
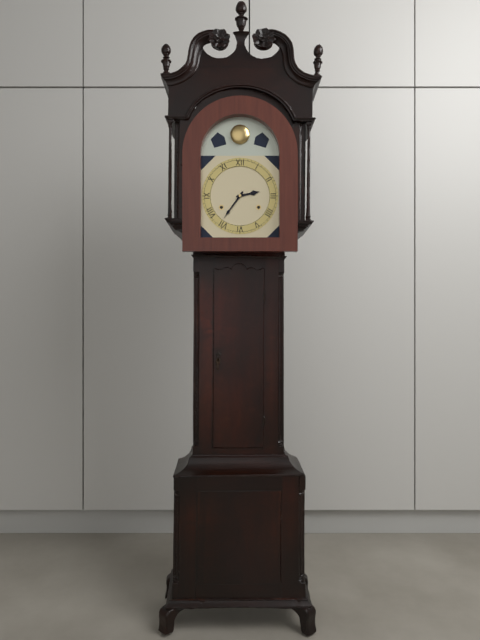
2.36
